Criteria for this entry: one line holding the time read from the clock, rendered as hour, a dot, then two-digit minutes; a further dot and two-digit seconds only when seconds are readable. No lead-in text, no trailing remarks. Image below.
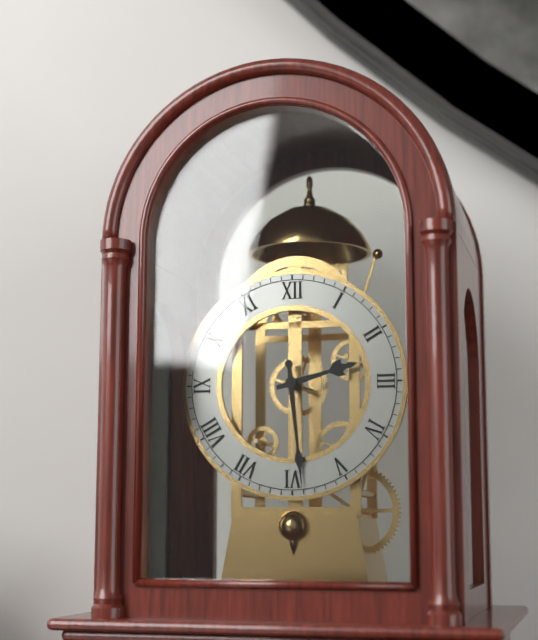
2.29
